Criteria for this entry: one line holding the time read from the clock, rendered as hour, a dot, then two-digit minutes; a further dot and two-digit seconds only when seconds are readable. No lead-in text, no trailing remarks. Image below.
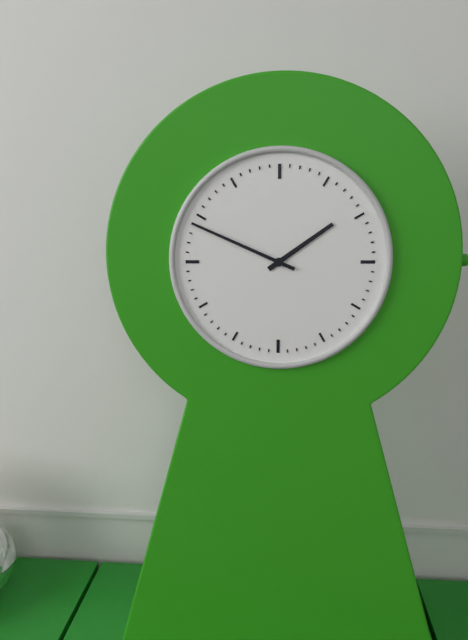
1.49
